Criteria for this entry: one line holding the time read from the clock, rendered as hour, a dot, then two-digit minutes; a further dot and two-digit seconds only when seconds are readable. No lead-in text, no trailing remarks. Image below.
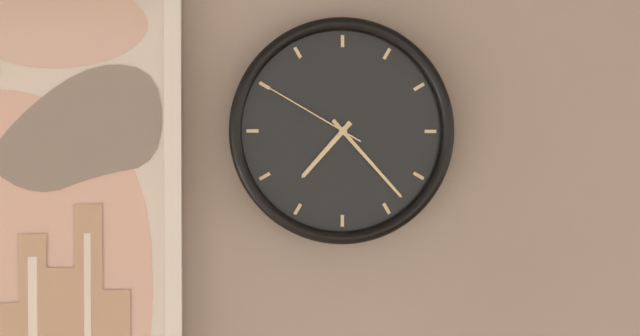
7.23.50
